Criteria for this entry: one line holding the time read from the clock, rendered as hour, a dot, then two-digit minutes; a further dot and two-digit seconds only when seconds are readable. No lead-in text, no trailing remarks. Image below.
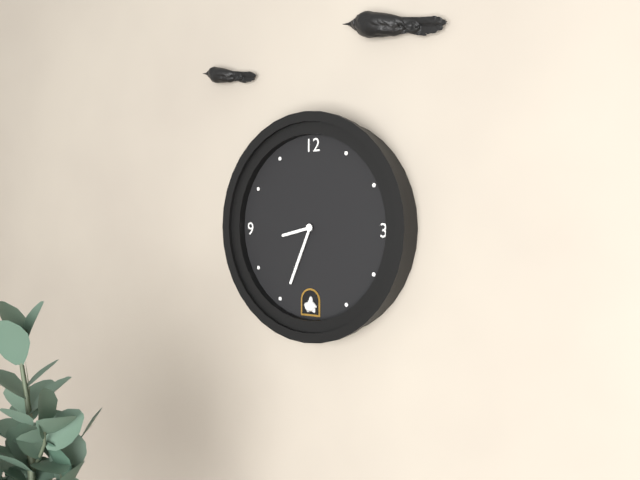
8.34
